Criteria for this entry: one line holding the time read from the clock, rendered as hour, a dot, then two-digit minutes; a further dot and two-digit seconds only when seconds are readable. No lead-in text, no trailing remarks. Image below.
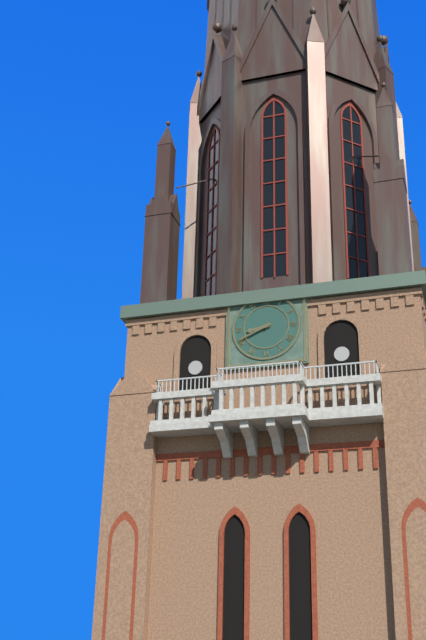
8.41
